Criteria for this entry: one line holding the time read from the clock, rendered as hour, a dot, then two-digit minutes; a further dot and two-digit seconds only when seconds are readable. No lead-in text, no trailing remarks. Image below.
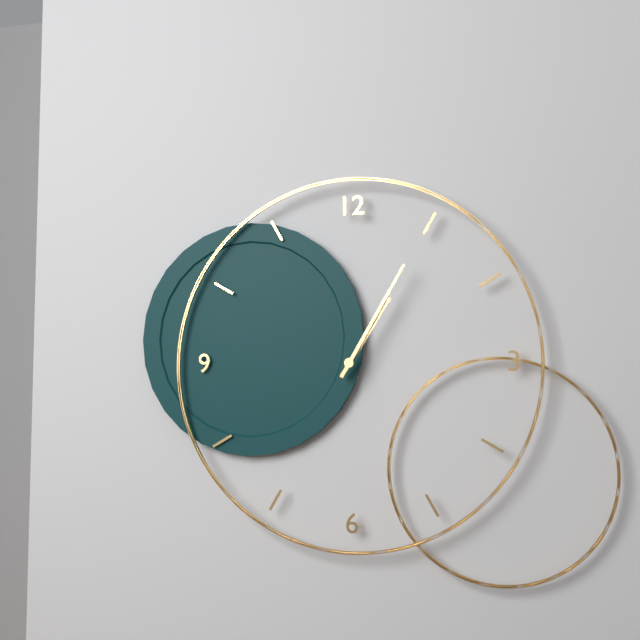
1.05
